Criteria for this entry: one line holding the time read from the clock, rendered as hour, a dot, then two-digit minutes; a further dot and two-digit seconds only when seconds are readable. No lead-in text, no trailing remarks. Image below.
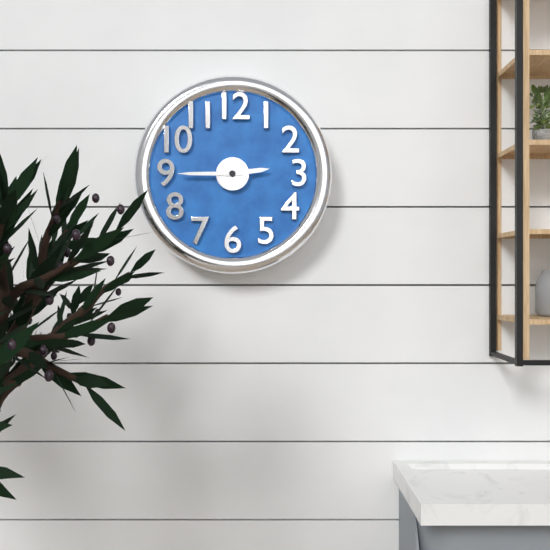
2.45
